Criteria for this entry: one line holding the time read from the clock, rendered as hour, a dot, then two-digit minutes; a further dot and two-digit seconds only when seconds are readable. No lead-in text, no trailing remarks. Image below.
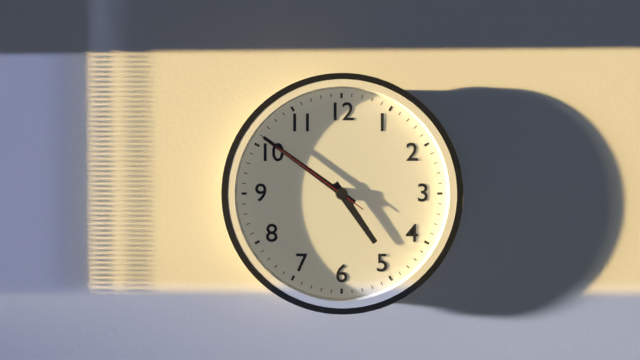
4.51.51
